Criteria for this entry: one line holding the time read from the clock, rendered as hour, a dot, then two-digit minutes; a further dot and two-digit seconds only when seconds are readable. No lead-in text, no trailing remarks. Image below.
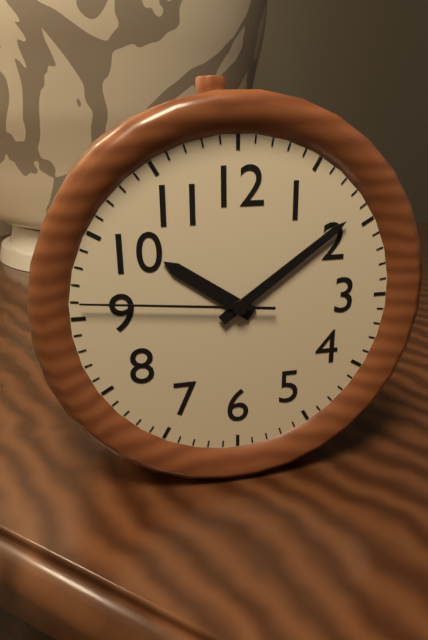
10.09.46
